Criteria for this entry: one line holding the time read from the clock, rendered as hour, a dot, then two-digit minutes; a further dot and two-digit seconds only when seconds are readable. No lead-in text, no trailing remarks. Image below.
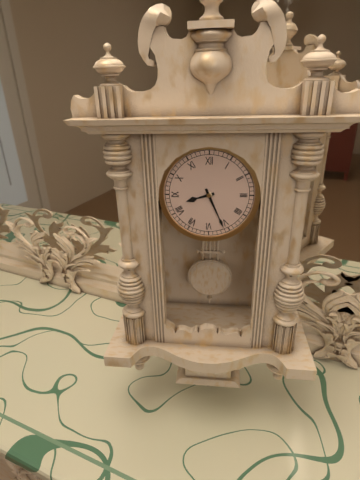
8.26
